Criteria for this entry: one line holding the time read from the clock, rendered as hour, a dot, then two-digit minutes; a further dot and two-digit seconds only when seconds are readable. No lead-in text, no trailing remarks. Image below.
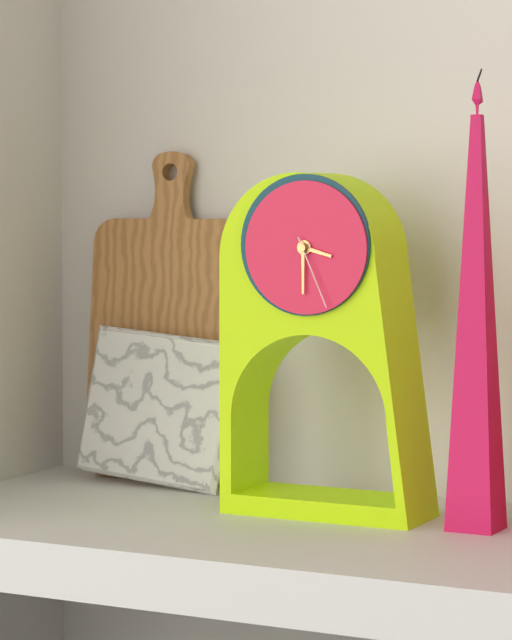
3.30.26
